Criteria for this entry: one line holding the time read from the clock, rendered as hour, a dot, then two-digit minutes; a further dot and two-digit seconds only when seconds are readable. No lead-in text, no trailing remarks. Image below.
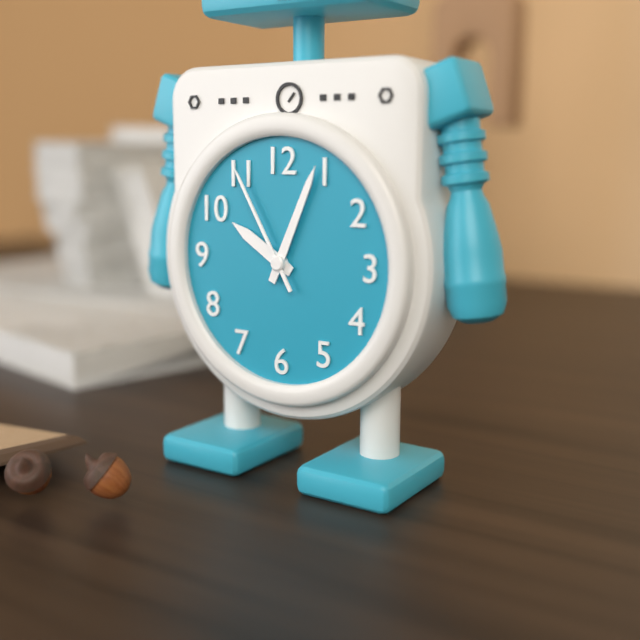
10.04.55
